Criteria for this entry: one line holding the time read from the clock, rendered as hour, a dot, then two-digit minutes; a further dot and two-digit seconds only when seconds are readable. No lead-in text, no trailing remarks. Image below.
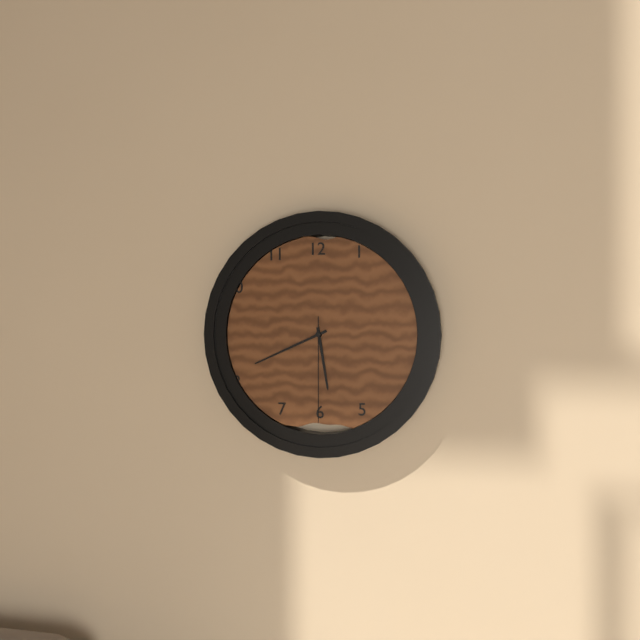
5.41.30
